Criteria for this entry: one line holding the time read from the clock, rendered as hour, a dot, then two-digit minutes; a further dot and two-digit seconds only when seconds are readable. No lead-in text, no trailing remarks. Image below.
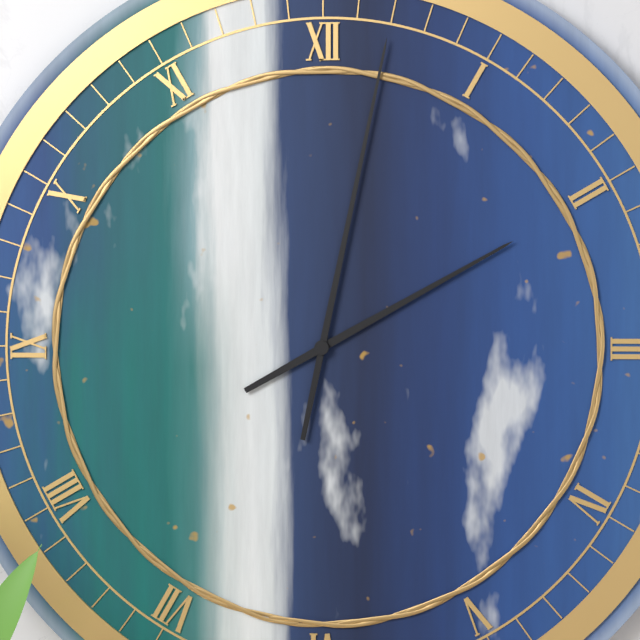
2.02
